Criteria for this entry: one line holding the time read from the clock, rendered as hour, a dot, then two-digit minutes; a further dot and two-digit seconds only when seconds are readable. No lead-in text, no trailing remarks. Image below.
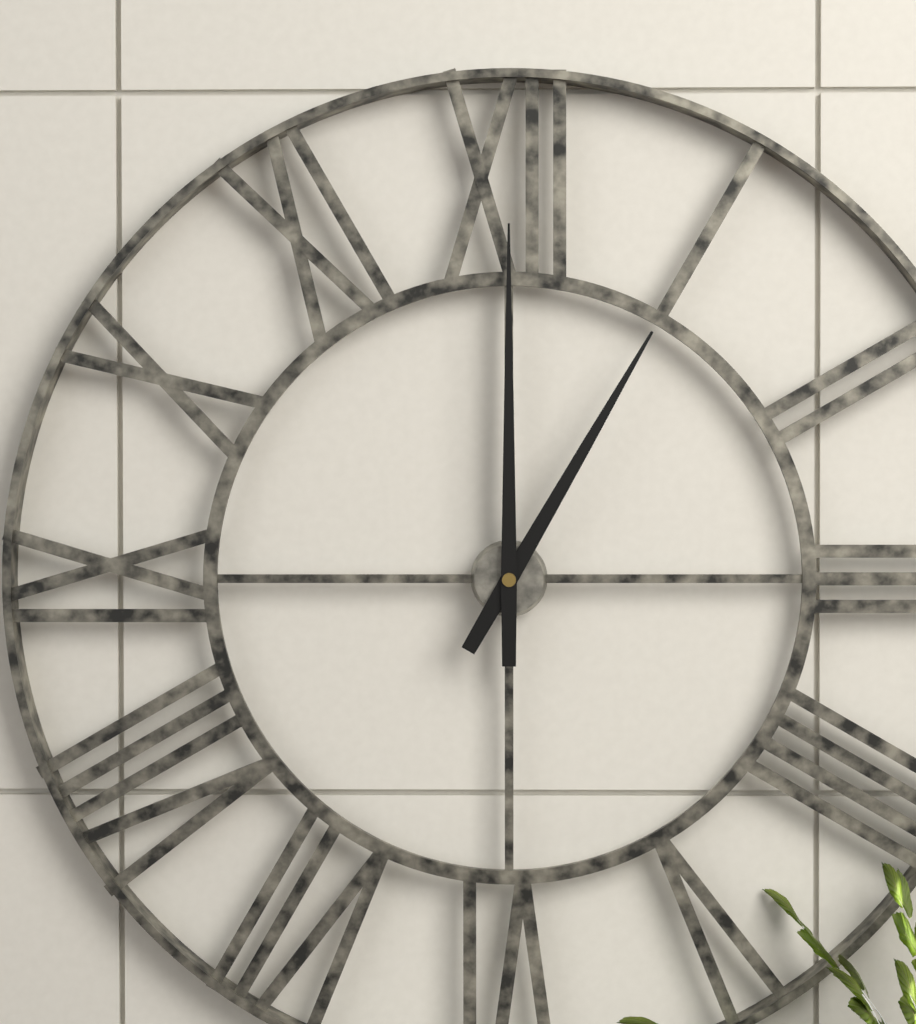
1.00
